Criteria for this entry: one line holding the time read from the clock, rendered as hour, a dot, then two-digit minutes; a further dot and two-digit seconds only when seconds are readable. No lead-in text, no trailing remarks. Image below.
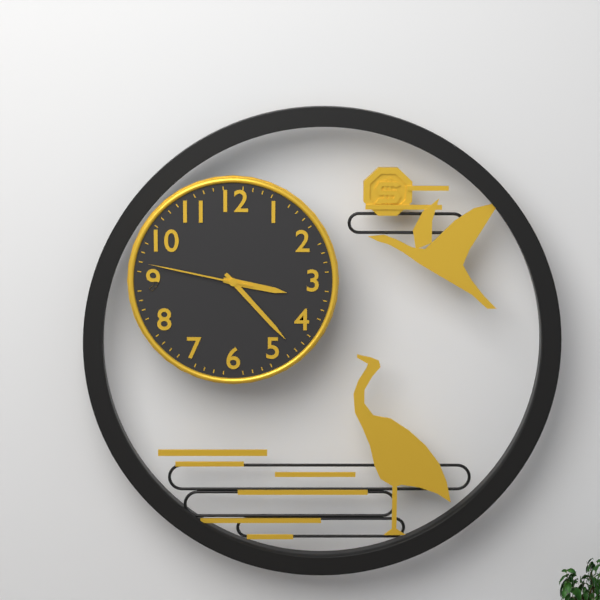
3.23.47
